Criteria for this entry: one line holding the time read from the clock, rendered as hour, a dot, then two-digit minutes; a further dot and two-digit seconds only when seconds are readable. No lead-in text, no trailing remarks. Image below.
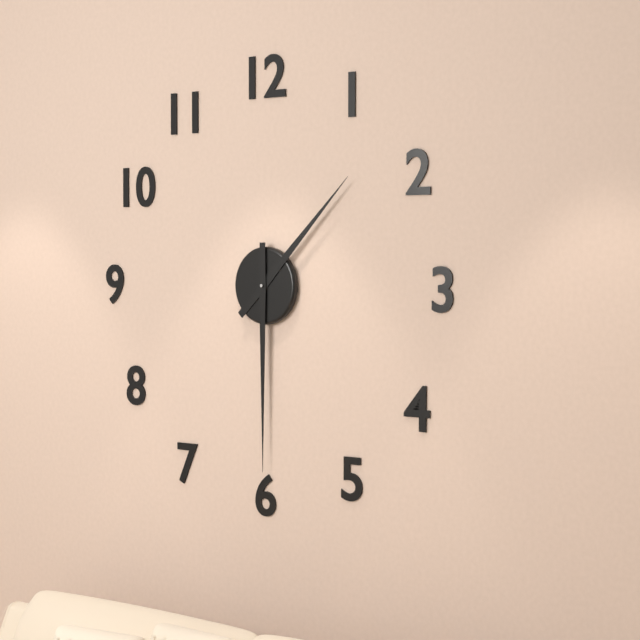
1.30
